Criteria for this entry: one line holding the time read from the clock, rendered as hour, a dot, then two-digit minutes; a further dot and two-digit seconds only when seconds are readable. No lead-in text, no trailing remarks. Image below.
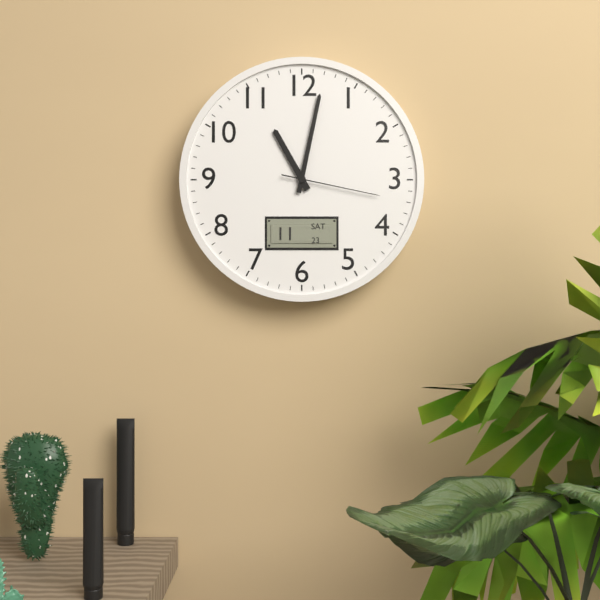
11.02.17
